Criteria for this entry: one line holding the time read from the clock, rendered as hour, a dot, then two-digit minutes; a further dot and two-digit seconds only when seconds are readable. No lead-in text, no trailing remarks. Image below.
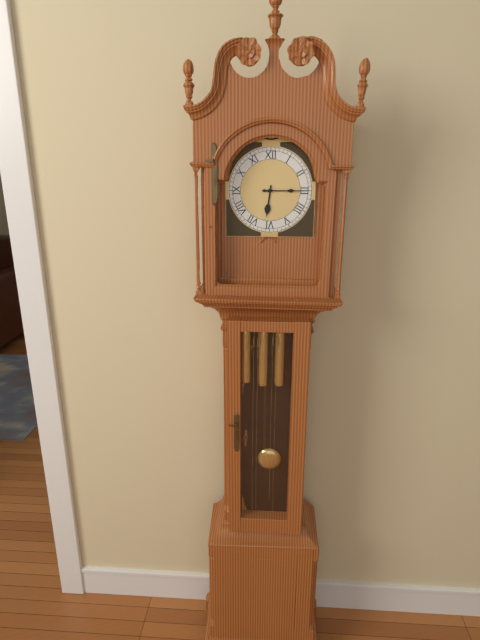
6.15
